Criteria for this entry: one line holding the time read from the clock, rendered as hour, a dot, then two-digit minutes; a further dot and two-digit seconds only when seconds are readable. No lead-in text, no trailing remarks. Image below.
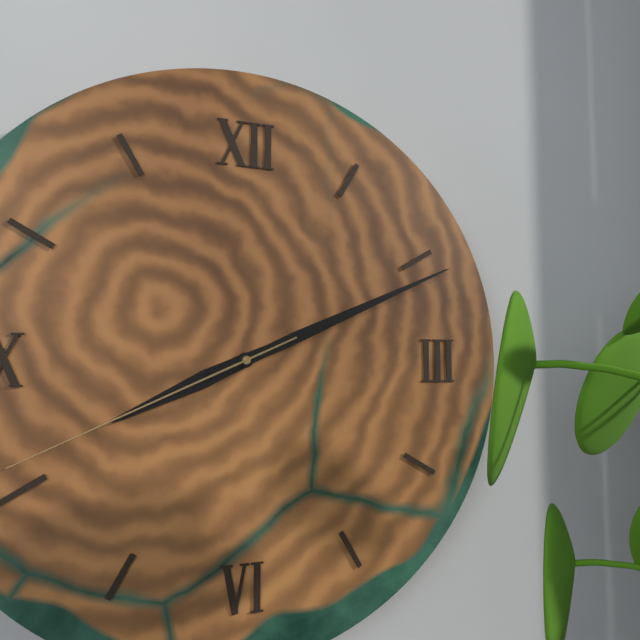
8.11.41
